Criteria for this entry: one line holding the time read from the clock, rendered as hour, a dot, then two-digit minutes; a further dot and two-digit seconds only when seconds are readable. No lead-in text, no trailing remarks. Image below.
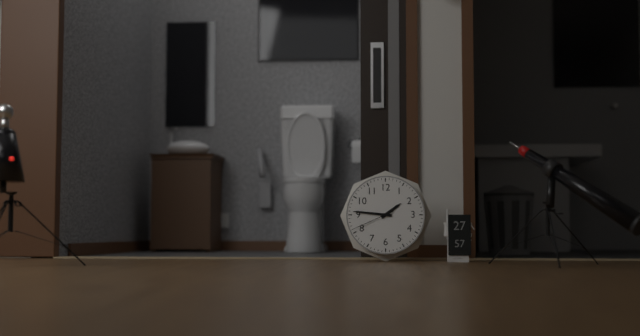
1.46
